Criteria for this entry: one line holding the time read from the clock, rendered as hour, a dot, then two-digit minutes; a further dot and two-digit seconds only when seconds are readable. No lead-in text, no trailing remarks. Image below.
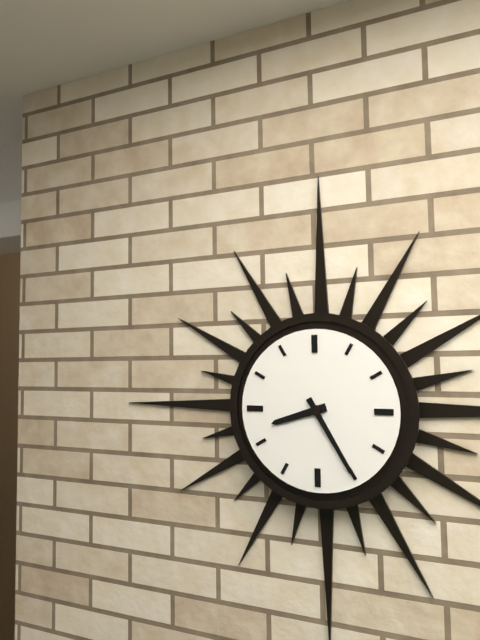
8.25
